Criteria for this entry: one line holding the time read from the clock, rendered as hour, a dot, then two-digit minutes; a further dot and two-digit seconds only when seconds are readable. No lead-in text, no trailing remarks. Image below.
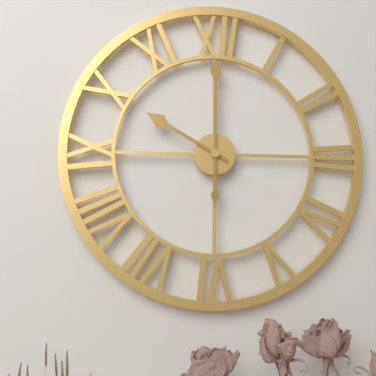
10.00
